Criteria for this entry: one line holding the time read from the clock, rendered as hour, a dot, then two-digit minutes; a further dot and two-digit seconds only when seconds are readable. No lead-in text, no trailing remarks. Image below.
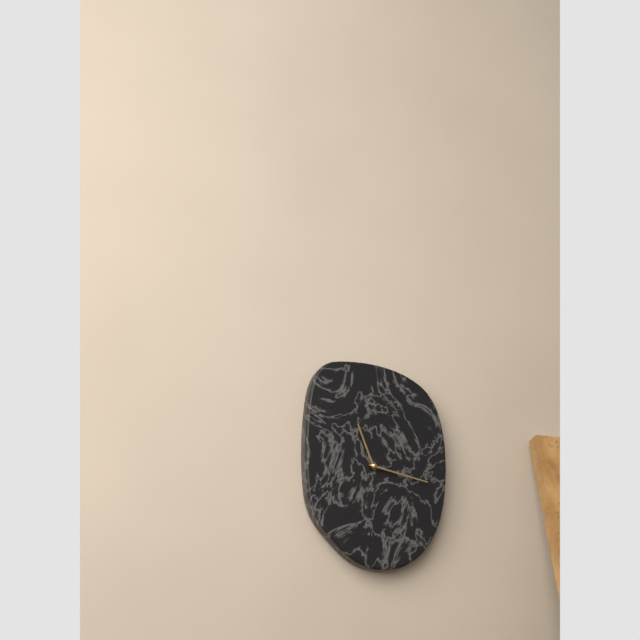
11.17
